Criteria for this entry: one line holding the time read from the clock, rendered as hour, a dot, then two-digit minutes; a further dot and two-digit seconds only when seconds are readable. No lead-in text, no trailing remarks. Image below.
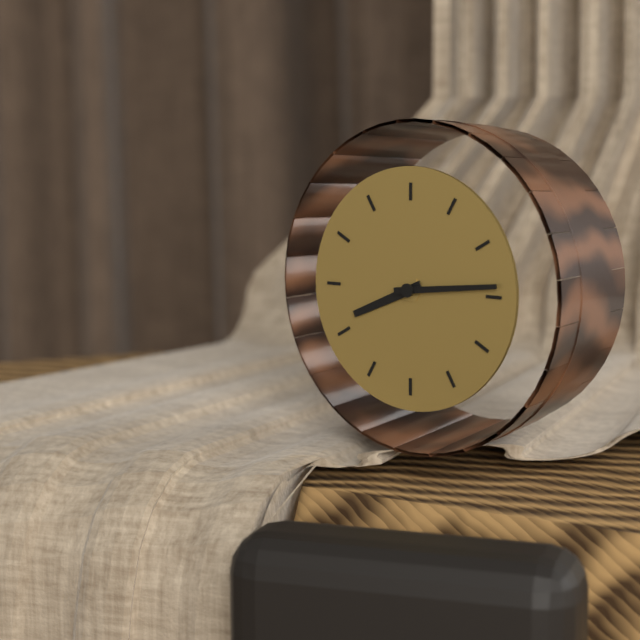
8.14
